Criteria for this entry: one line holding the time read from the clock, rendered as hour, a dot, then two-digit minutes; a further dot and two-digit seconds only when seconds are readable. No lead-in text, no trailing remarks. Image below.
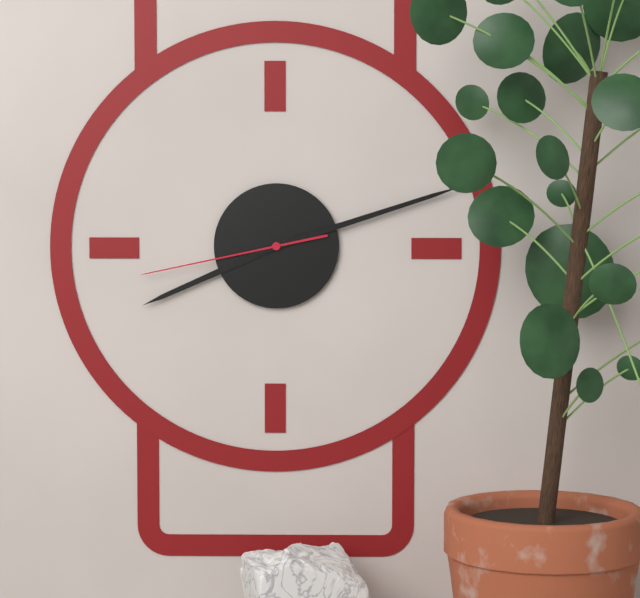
8.12.43
